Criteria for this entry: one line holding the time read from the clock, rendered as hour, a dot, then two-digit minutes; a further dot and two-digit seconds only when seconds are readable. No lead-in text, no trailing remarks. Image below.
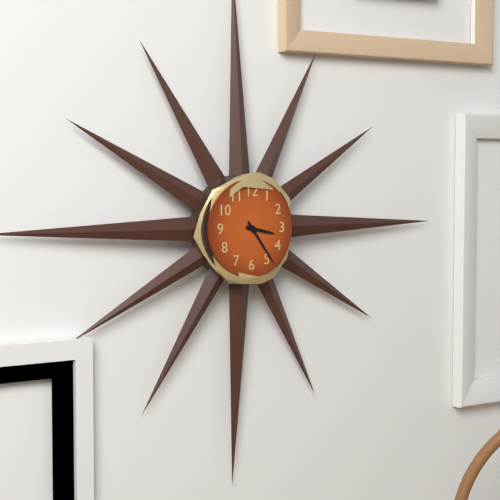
3.24
